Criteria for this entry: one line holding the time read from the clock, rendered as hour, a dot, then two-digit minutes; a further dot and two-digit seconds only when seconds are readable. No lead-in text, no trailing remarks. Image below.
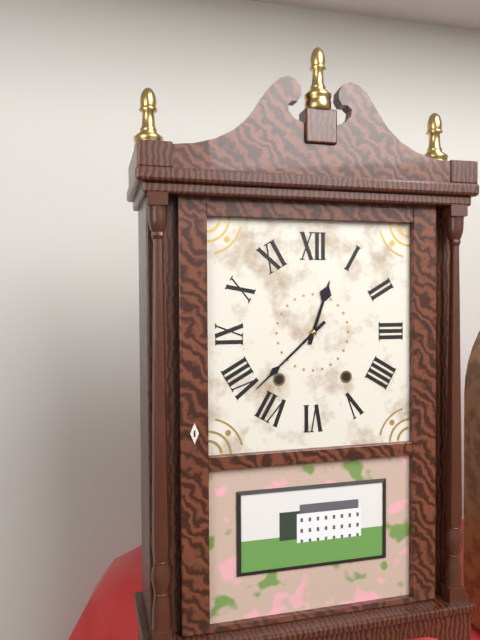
12.38
